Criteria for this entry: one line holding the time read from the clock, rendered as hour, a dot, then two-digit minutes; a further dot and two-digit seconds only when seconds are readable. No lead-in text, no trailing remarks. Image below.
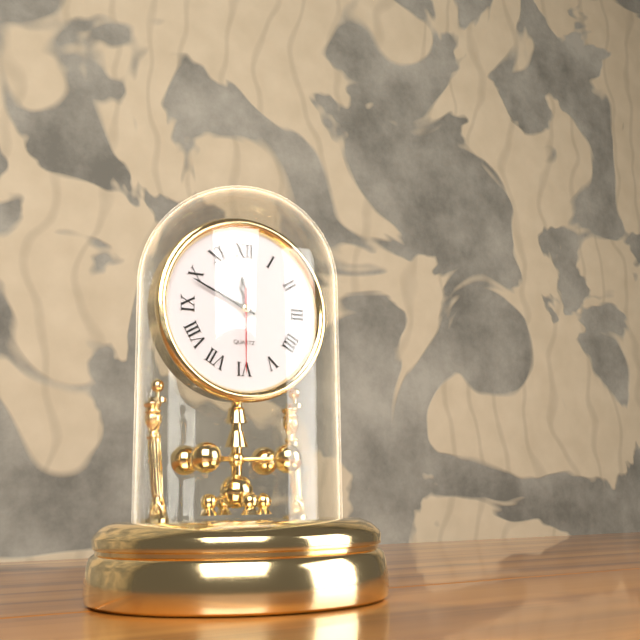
11.49.30
